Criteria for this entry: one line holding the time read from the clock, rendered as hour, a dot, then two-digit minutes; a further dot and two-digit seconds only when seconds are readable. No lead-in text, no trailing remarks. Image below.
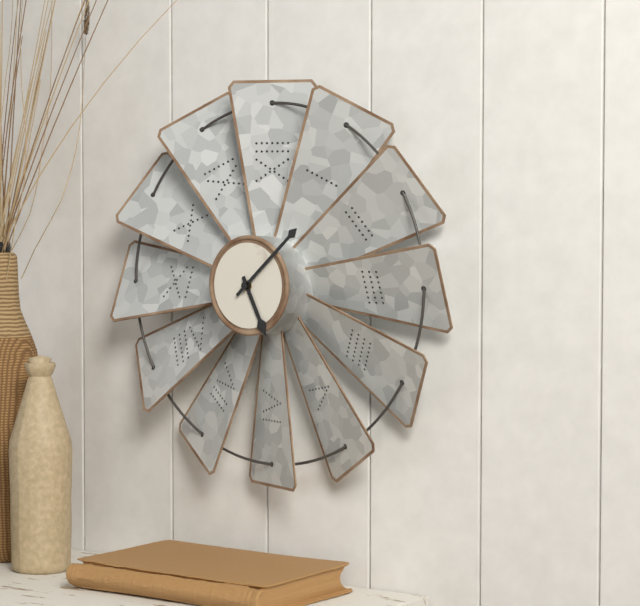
5.08
